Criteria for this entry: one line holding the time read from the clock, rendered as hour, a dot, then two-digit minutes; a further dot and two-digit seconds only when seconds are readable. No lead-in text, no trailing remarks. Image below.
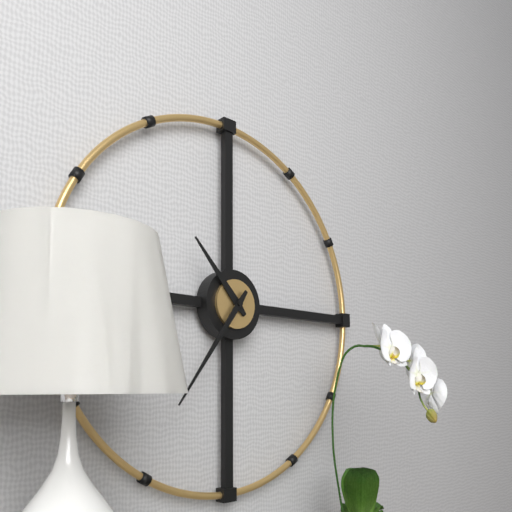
10.36
